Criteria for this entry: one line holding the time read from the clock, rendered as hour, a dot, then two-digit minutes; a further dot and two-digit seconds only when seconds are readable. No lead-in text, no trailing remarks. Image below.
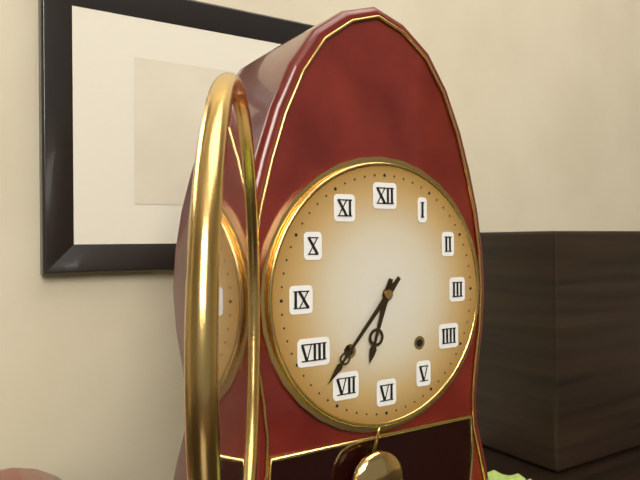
6.37
